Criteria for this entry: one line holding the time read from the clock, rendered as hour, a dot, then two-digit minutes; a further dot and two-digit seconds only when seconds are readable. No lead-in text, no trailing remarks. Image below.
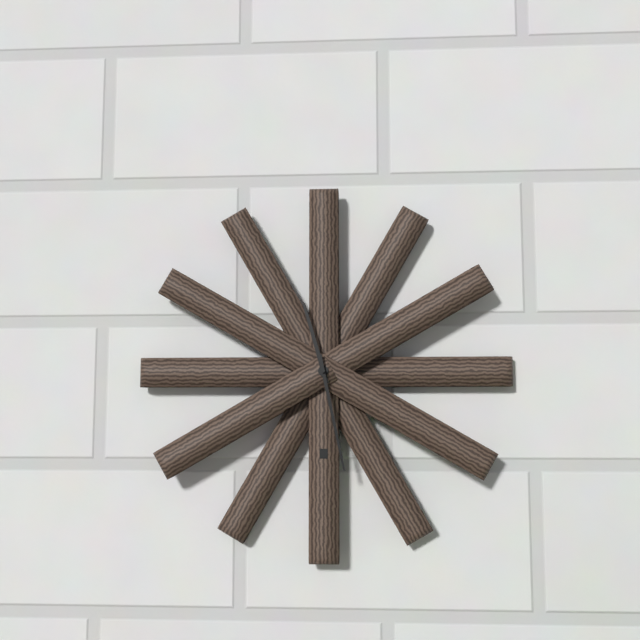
11.28
